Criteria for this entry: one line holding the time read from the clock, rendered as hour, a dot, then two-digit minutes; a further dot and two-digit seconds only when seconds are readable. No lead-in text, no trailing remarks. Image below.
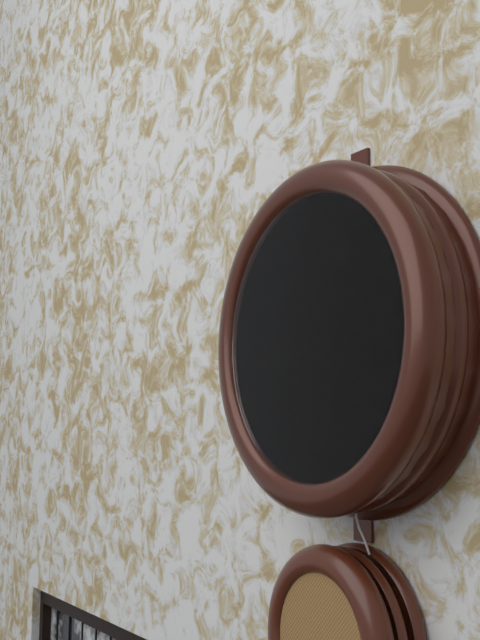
4.05
